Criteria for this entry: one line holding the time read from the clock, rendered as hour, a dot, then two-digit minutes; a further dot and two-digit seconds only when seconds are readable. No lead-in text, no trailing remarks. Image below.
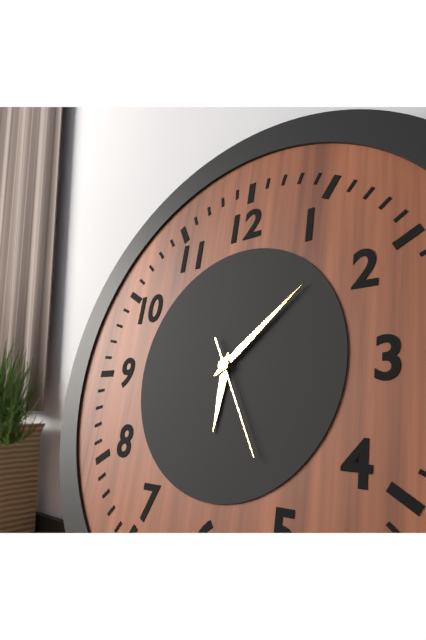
6.08.25
